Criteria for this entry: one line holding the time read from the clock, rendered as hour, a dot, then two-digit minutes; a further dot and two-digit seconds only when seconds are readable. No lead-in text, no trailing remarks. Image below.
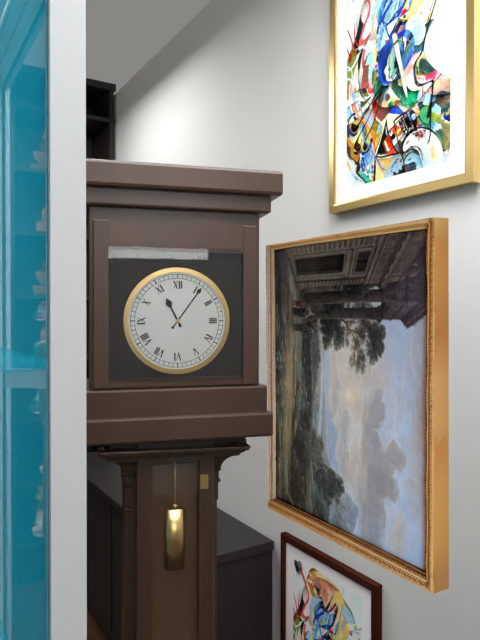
11.06
